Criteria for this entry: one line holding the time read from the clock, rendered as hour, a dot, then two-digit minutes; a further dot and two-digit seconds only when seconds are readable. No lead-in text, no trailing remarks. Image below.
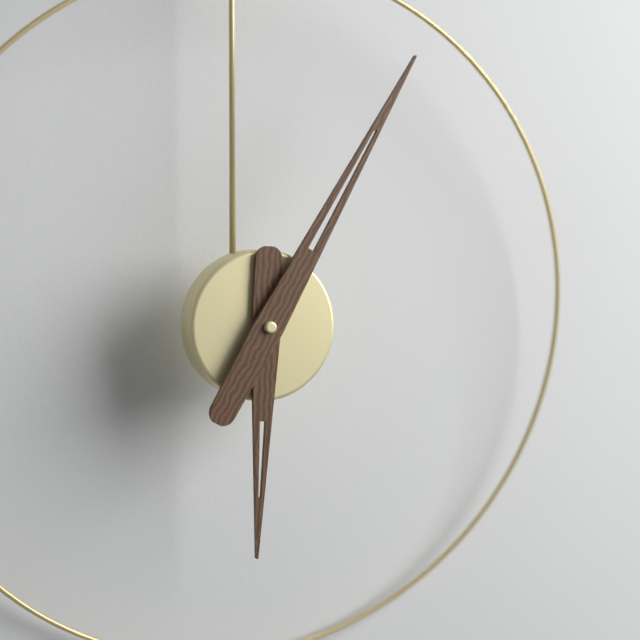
6.05
